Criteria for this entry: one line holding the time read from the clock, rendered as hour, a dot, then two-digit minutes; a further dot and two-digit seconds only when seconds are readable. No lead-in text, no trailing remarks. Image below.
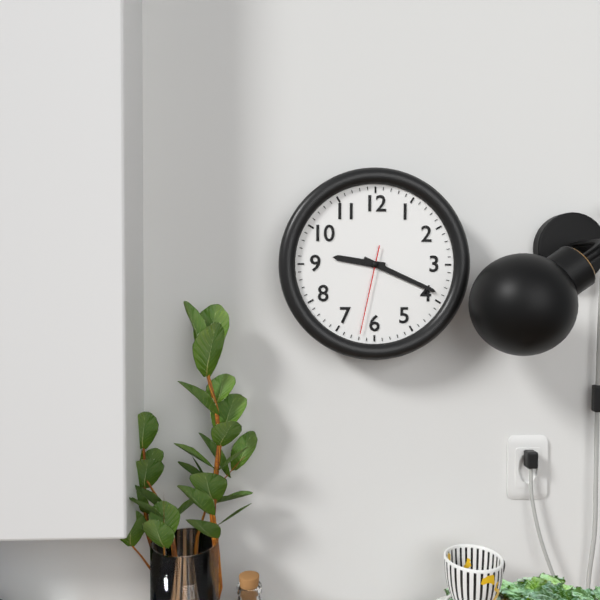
9.19.32
